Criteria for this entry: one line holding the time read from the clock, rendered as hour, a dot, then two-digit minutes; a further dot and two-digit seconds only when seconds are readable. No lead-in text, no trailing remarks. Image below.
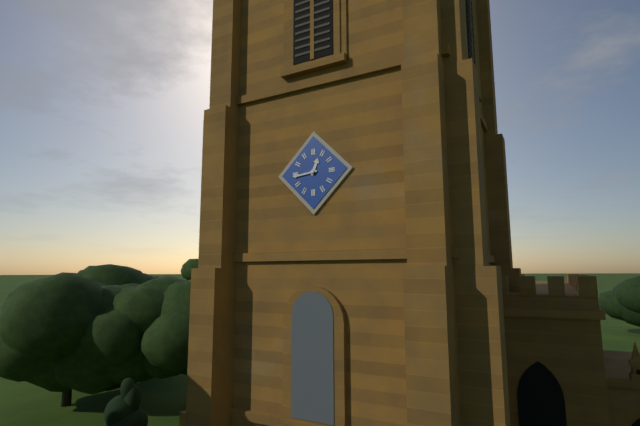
12.44
